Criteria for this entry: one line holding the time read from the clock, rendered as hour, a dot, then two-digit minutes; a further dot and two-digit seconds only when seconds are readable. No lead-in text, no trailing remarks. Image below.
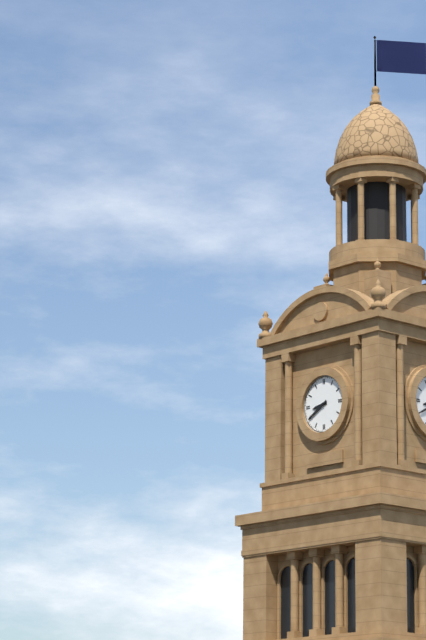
8.40
